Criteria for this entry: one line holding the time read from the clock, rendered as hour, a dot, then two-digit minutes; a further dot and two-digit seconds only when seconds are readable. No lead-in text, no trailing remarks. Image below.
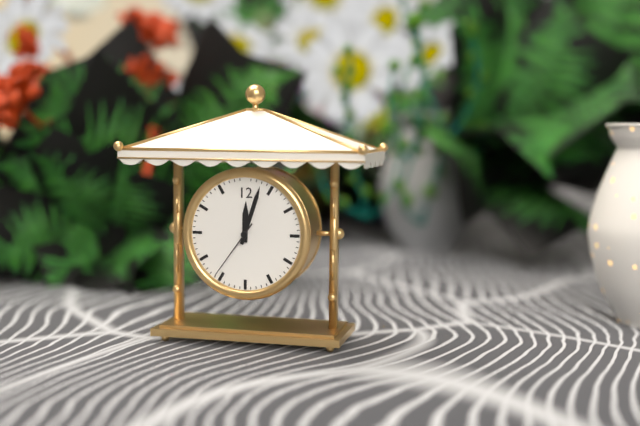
12.03.36
